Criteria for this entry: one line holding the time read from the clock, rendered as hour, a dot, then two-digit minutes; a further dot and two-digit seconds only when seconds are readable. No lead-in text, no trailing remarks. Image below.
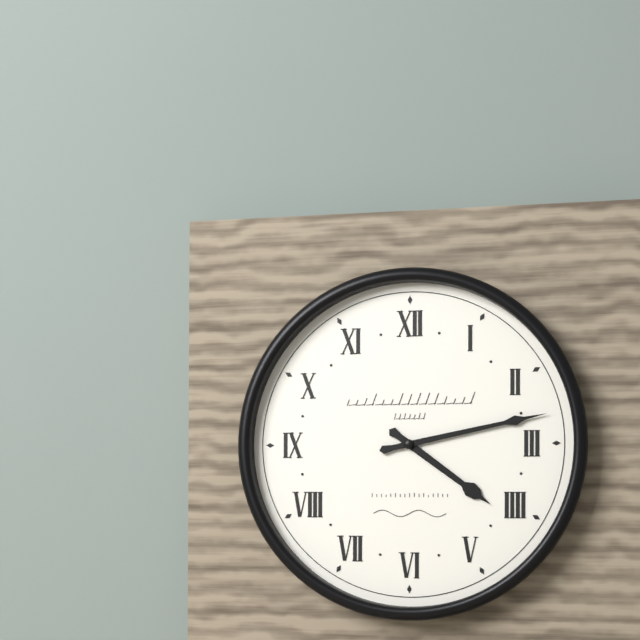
4.13
